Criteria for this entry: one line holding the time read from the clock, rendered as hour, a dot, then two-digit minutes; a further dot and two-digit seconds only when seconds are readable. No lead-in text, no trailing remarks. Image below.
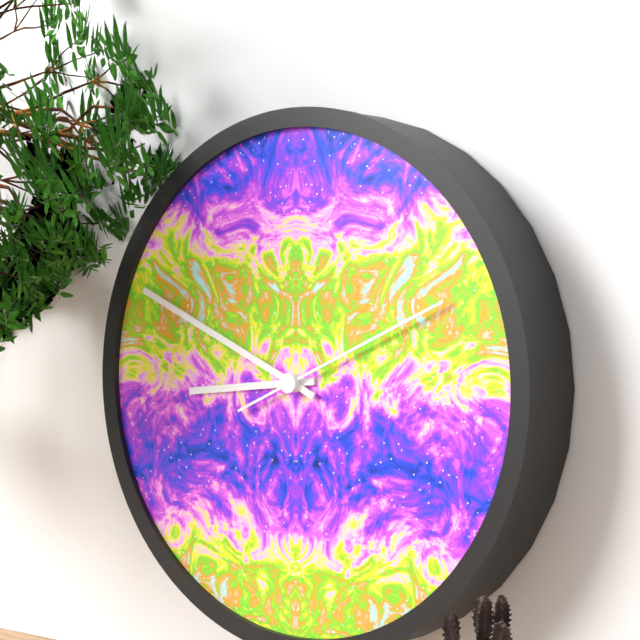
8.49.11
